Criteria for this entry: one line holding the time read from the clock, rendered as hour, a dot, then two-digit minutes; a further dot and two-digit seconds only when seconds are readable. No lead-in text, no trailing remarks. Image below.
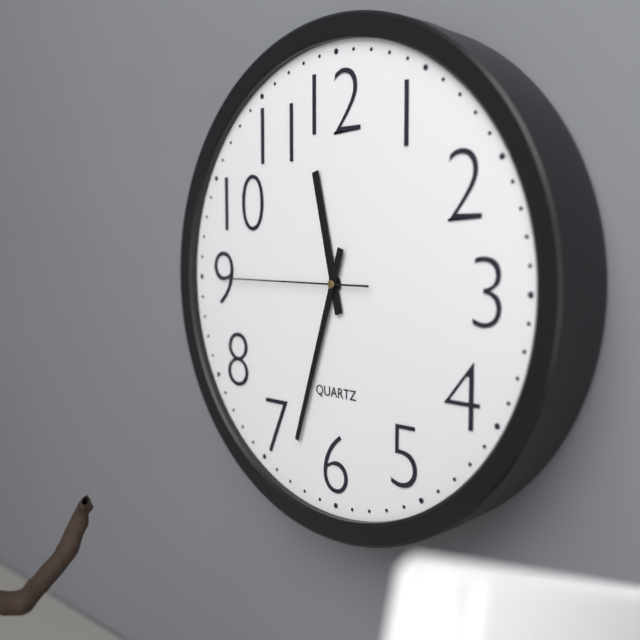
11.33.45
